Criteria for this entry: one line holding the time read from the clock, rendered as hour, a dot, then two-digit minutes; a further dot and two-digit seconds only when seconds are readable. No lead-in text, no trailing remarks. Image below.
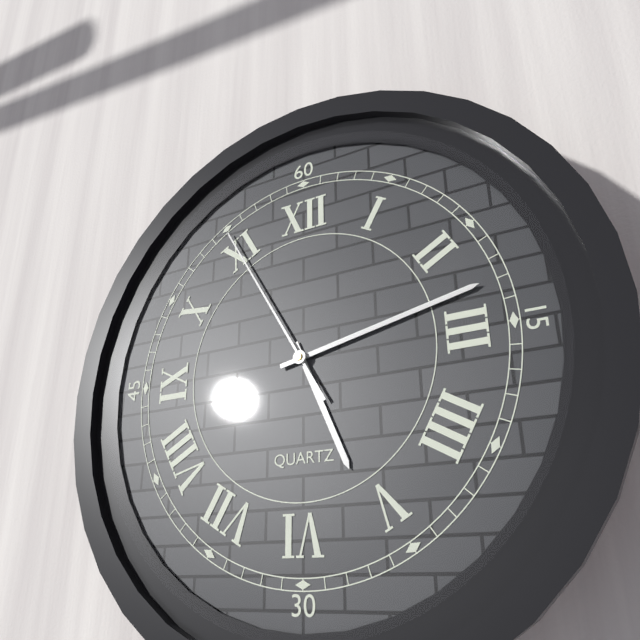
5.13.55
